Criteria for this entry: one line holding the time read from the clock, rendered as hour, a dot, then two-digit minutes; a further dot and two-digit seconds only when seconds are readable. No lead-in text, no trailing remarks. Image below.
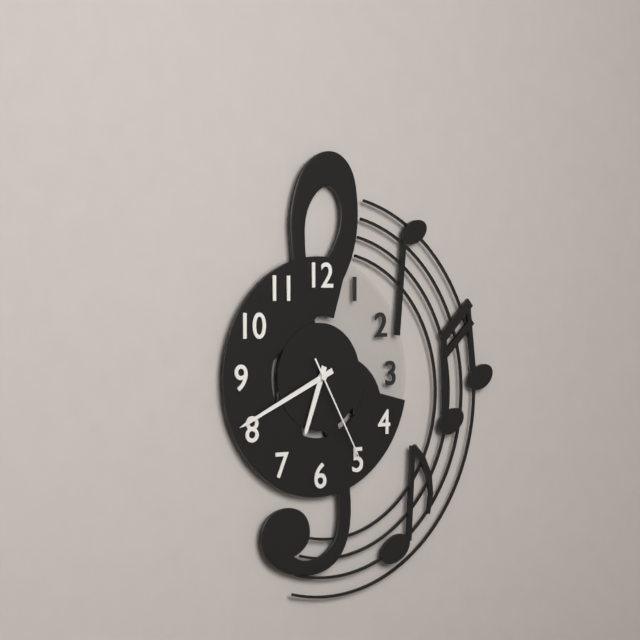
6.41.25
